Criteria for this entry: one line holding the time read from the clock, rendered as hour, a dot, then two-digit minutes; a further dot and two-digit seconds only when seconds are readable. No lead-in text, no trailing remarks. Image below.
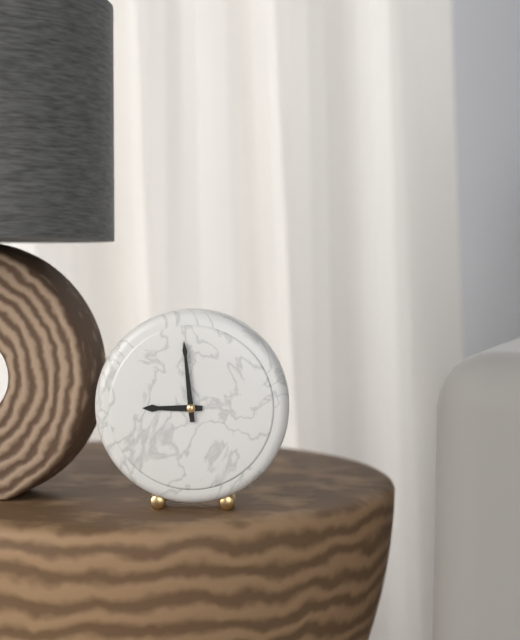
8.59
